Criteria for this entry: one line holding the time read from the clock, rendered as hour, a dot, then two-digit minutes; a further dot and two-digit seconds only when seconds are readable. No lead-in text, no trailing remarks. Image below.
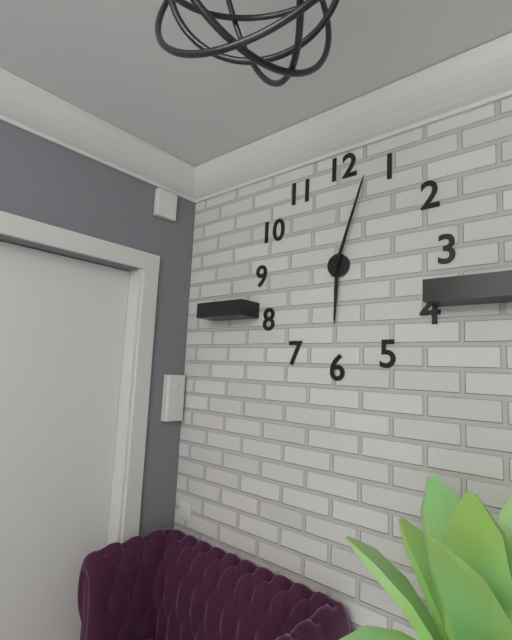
6.03
